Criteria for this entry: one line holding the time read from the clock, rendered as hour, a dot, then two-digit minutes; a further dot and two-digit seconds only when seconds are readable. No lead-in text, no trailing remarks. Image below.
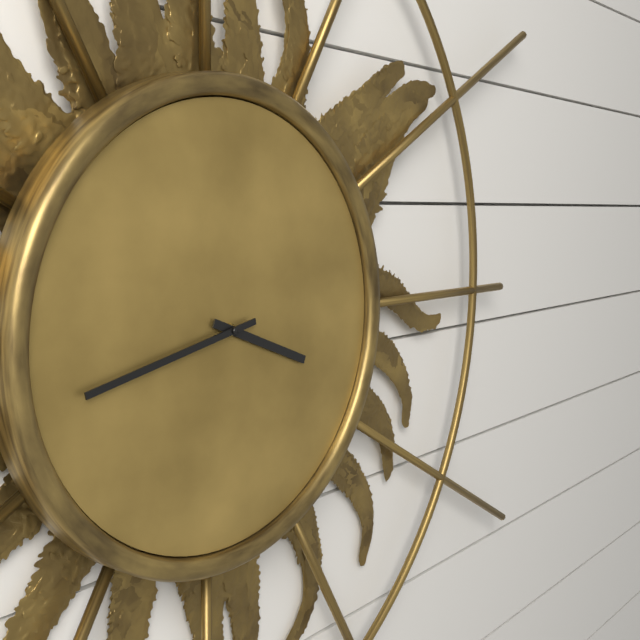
3.43
